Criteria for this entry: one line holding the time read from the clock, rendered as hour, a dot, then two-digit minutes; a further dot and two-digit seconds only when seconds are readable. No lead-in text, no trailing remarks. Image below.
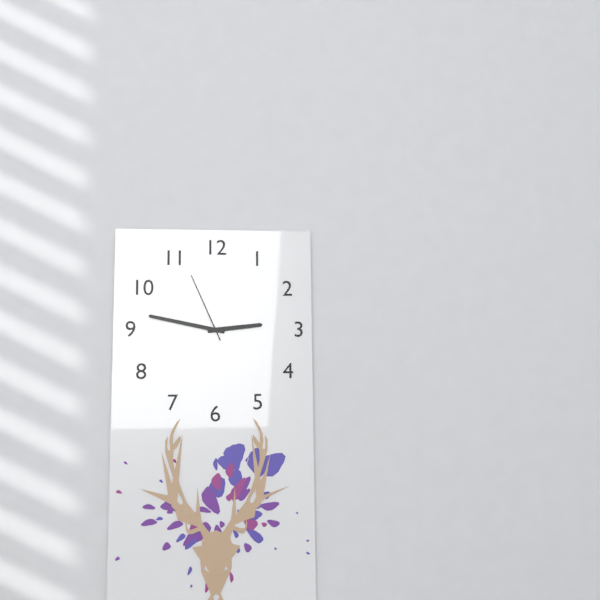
2.47.56
